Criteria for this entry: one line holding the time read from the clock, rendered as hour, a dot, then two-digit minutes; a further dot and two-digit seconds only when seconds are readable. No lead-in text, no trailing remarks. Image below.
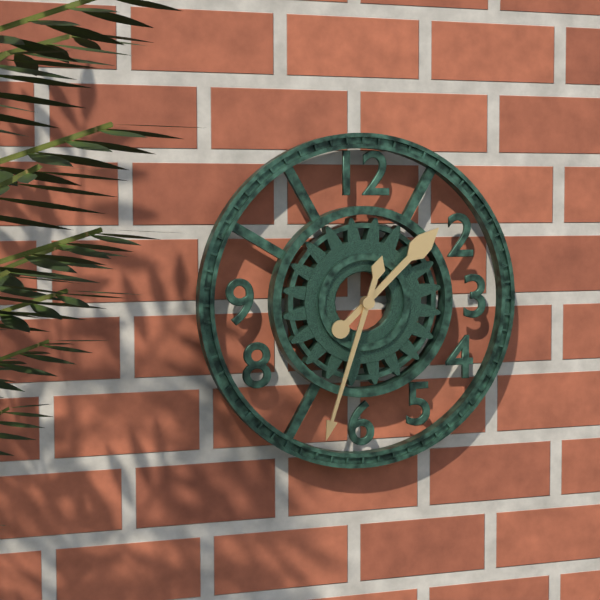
1.33
